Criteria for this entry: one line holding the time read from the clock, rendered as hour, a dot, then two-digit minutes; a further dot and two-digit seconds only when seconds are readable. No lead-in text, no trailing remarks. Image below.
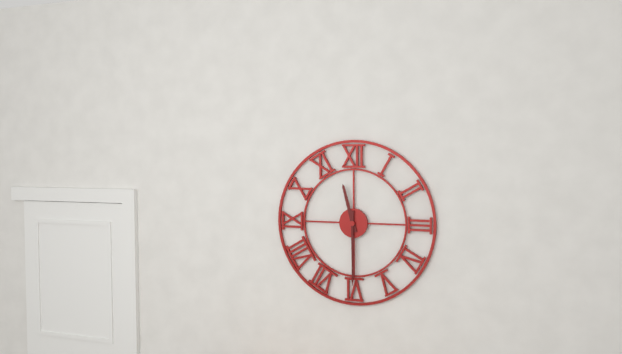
11.30
